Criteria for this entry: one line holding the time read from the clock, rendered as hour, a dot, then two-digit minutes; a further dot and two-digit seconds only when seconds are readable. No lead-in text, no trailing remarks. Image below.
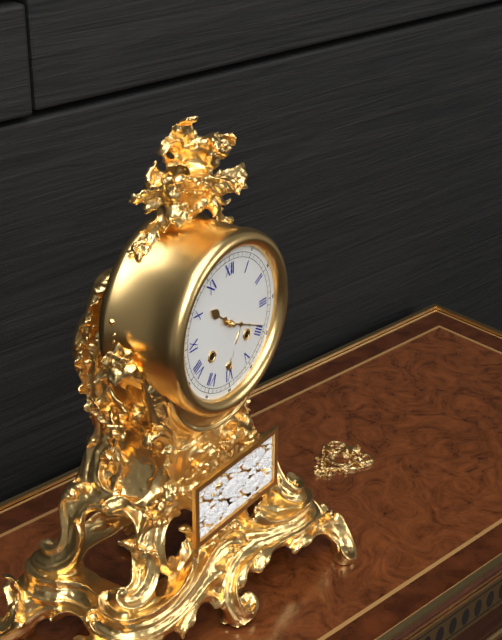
10.19
